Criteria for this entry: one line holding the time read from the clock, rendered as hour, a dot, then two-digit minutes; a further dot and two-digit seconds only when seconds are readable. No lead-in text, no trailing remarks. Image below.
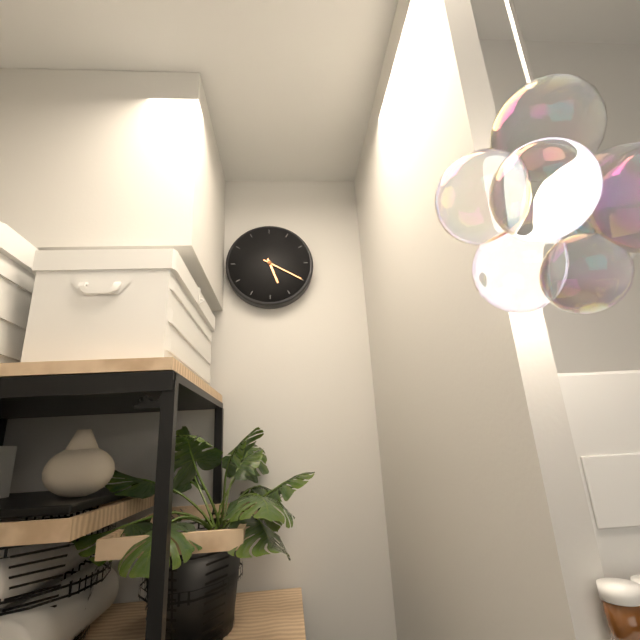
5.20
